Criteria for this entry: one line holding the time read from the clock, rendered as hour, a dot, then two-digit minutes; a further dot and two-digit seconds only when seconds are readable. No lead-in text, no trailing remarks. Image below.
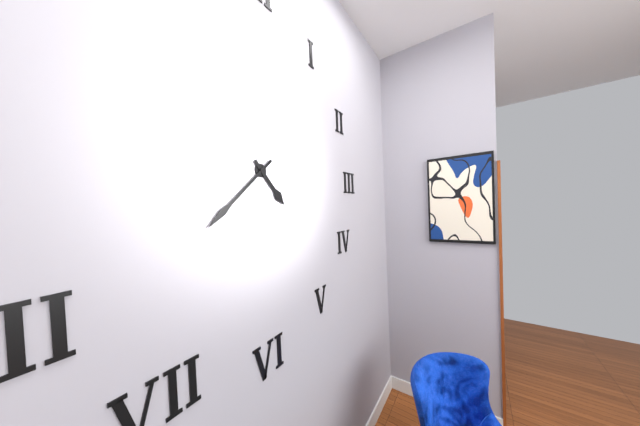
4.38
